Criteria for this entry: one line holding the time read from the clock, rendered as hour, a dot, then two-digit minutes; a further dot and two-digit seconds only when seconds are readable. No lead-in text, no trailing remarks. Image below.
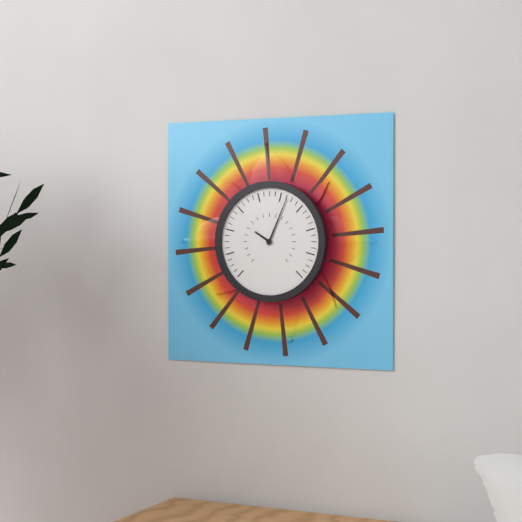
10.04
